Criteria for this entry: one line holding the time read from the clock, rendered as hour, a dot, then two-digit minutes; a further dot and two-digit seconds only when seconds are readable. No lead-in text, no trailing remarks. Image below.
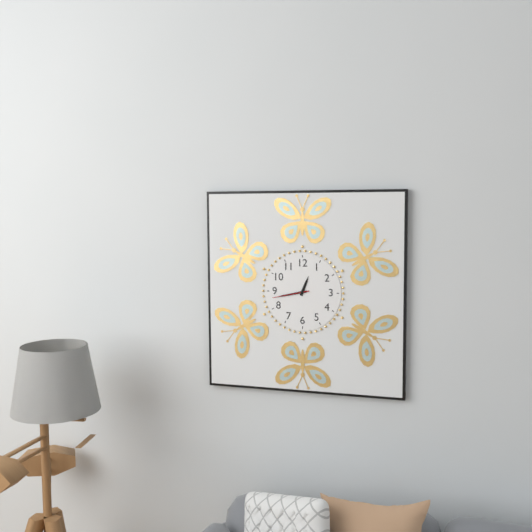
12.43
